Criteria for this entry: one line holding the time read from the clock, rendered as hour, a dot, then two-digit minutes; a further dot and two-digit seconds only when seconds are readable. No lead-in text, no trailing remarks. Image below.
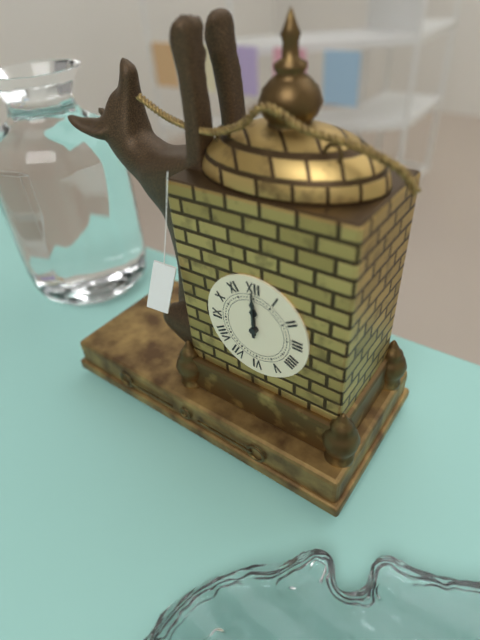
12.00
